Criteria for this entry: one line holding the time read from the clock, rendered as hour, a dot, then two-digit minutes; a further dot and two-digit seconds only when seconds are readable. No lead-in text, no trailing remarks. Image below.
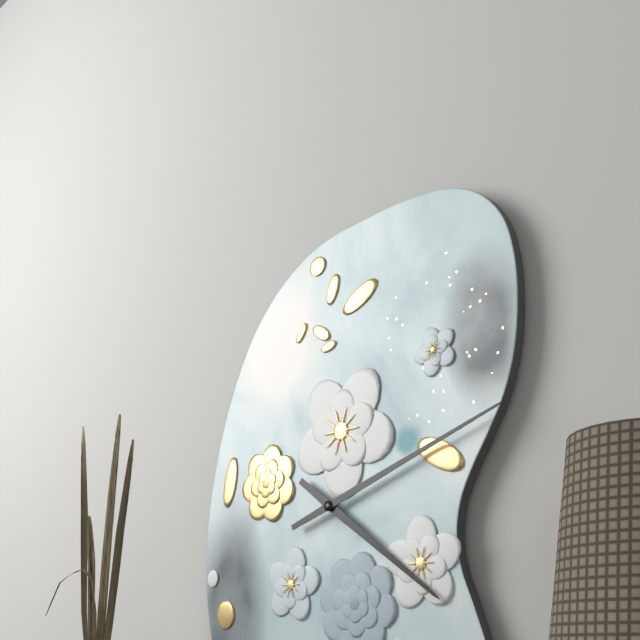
4.12
